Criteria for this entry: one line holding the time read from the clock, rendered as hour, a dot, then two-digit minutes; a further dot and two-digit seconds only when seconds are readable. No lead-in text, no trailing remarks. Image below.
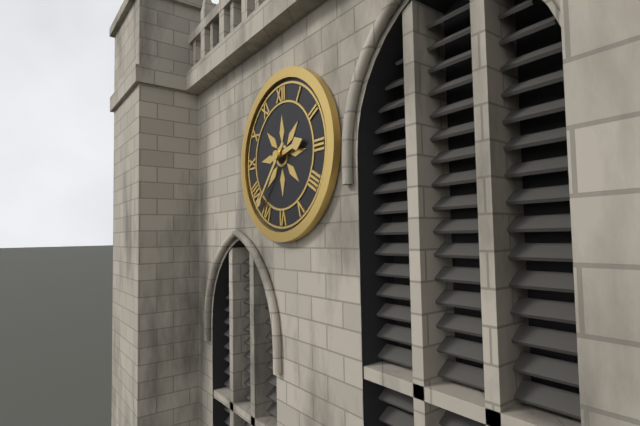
2.37
